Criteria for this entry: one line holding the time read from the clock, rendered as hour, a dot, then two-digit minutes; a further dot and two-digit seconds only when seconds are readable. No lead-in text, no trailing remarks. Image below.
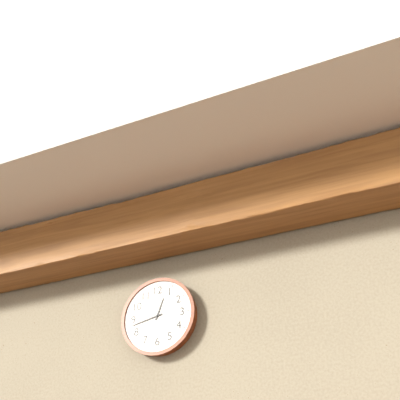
12.43
